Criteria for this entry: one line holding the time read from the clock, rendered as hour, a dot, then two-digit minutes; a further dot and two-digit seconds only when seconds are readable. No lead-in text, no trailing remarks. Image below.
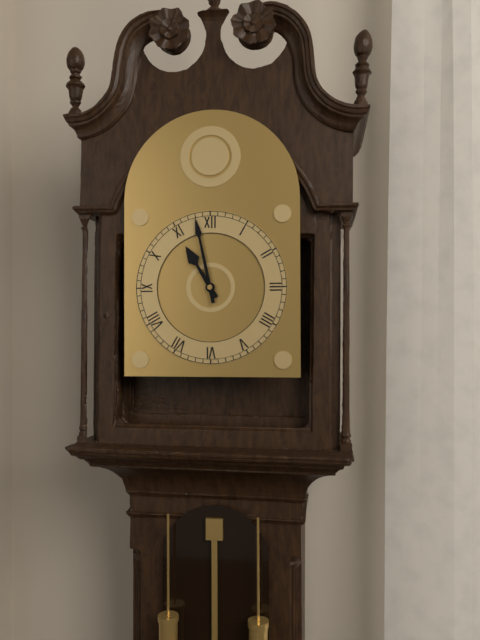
10.58
